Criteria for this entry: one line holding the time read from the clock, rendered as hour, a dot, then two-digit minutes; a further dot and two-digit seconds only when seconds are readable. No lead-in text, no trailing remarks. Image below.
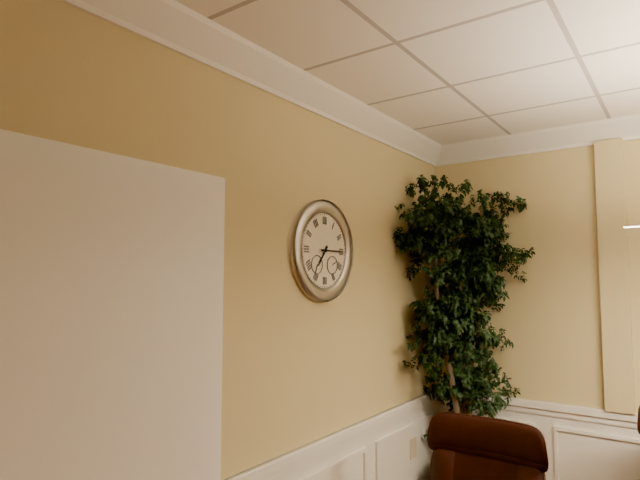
7.15
